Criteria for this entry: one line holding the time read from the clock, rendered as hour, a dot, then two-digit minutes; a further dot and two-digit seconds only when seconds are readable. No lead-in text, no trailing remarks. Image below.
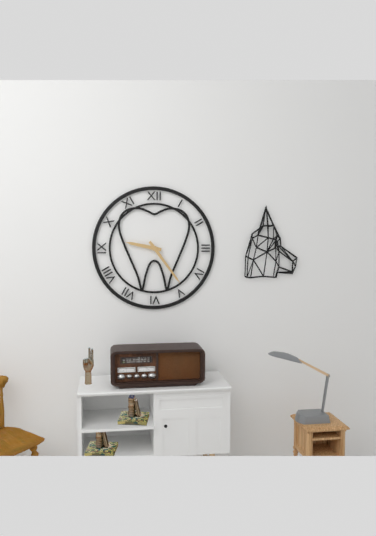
9.24
